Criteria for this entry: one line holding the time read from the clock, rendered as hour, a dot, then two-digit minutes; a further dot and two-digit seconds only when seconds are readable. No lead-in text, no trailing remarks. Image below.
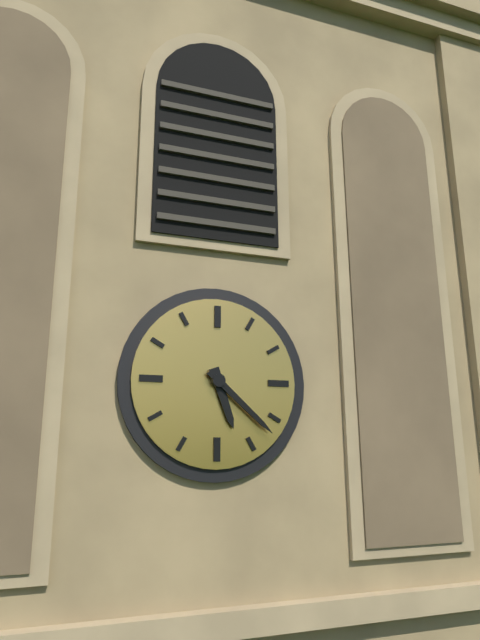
5.22
